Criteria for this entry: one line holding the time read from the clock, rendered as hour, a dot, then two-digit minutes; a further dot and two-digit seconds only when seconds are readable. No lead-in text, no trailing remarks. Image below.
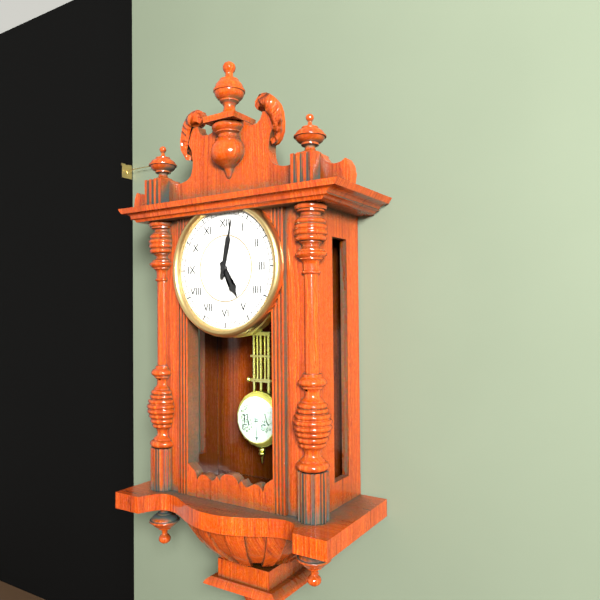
5.02
